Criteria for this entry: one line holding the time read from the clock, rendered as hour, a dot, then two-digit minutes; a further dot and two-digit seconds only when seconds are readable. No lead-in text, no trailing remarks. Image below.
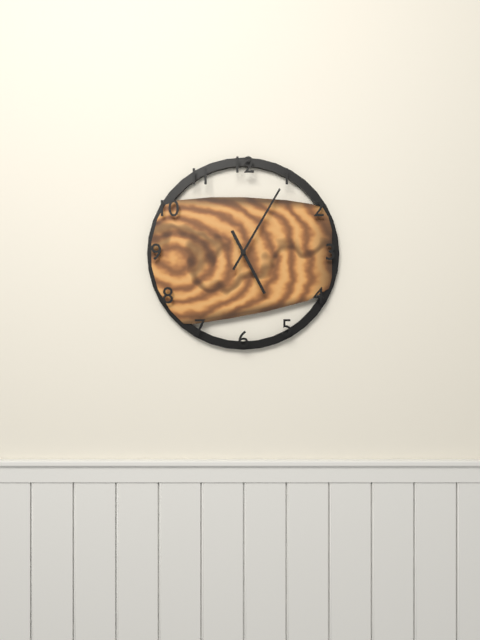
5.05
